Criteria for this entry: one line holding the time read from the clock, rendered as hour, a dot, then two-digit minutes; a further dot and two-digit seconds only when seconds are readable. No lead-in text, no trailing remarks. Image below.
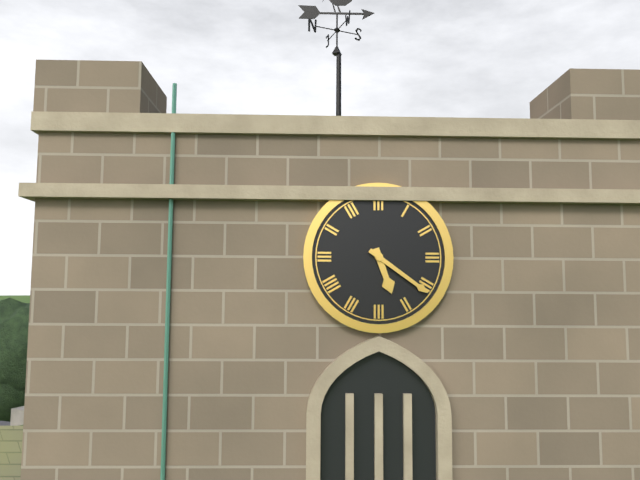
5.21
